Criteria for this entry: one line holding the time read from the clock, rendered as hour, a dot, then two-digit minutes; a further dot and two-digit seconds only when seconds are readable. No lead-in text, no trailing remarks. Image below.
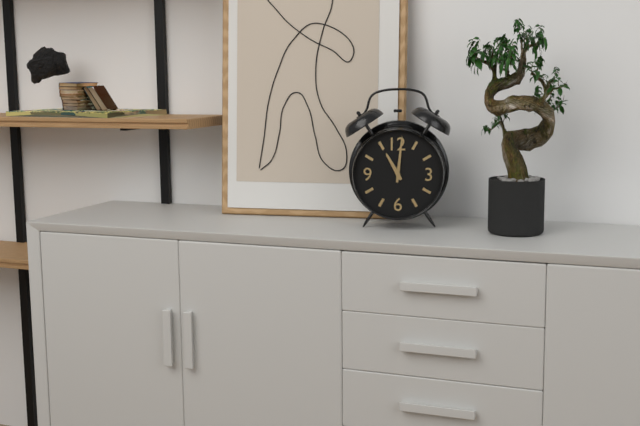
11.01
